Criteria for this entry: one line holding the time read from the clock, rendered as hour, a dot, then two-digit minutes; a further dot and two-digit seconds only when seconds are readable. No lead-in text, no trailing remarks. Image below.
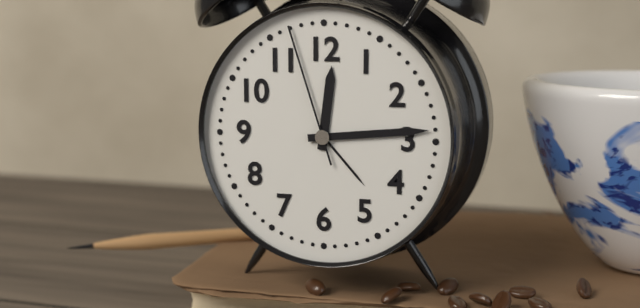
12.14.57
